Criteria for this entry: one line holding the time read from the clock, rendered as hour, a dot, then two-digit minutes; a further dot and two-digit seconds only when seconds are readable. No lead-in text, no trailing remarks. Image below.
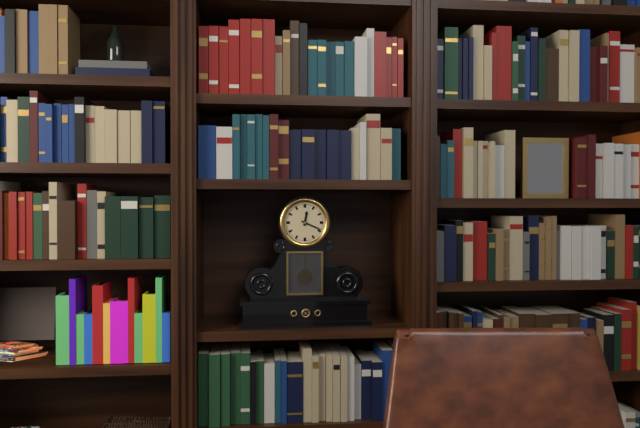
12.19
